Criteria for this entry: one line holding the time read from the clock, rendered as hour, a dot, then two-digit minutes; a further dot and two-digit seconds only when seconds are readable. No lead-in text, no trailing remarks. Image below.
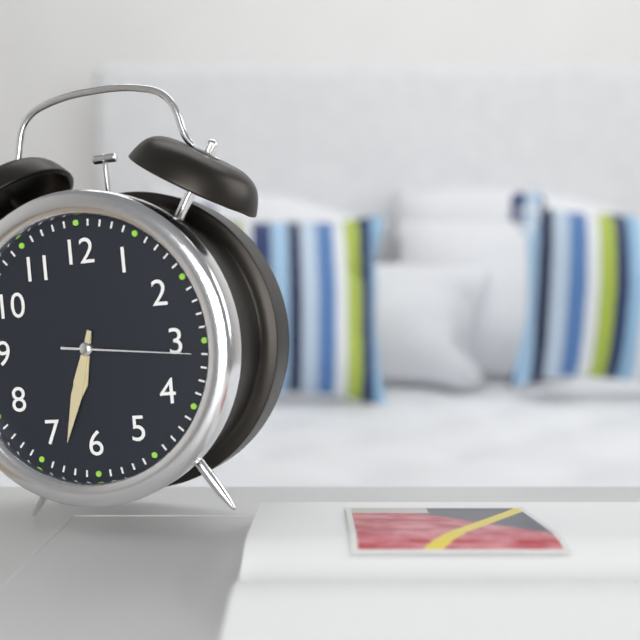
6.33.16
